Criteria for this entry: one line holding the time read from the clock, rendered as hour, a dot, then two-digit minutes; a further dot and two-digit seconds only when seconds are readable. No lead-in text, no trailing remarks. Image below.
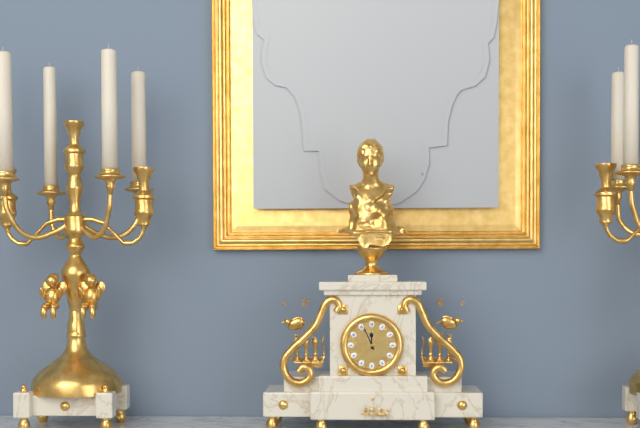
11.56
